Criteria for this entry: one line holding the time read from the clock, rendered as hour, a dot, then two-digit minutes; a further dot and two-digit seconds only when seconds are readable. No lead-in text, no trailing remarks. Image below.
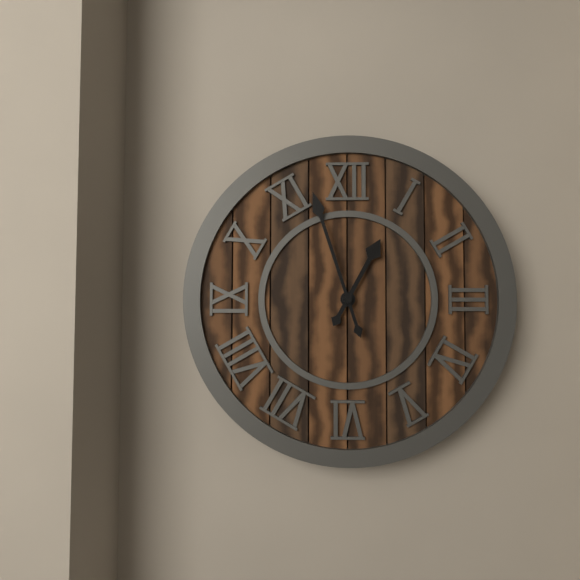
12.57
